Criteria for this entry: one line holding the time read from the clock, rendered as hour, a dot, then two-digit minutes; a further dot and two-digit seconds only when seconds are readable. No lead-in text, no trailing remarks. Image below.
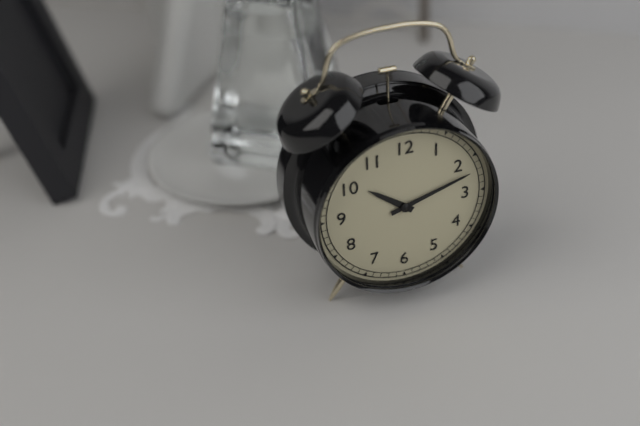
10.12
